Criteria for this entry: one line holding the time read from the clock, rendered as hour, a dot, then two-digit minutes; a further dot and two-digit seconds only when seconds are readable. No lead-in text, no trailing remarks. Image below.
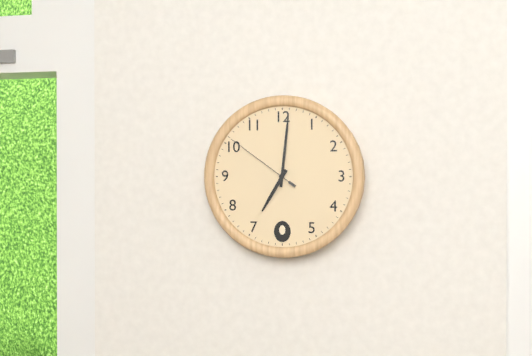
7.01.51
